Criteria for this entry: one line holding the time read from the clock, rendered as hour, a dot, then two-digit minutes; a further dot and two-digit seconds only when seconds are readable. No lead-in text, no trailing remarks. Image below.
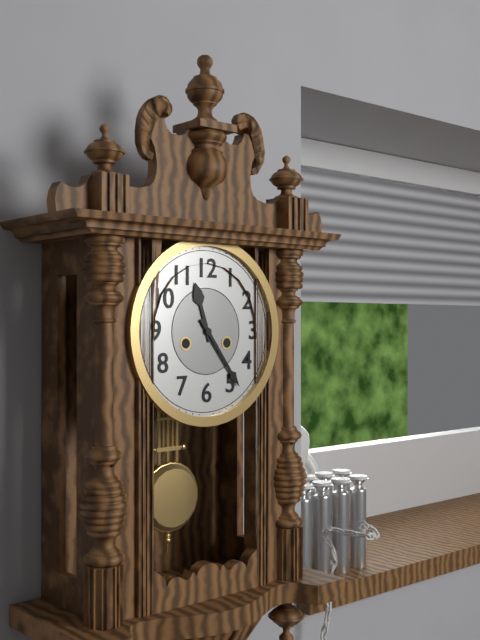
11.24
